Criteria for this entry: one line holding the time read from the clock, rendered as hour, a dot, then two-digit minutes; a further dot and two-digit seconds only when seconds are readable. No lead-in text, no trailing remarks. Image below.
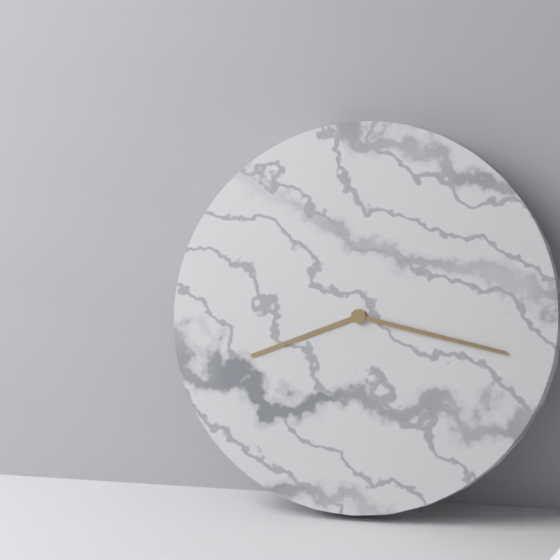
8.17
